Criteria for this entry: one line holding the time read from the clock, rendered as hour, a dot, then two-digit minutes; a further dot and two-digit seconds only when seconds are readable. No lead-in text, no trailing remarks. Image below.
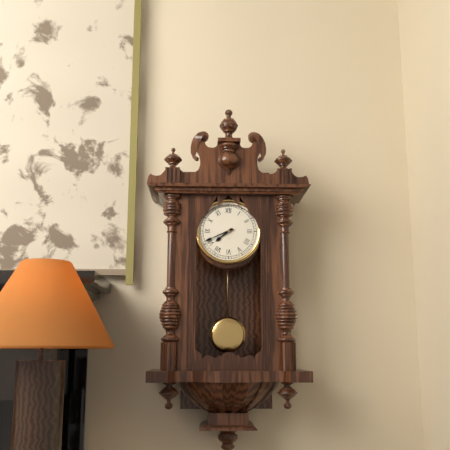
7.41
